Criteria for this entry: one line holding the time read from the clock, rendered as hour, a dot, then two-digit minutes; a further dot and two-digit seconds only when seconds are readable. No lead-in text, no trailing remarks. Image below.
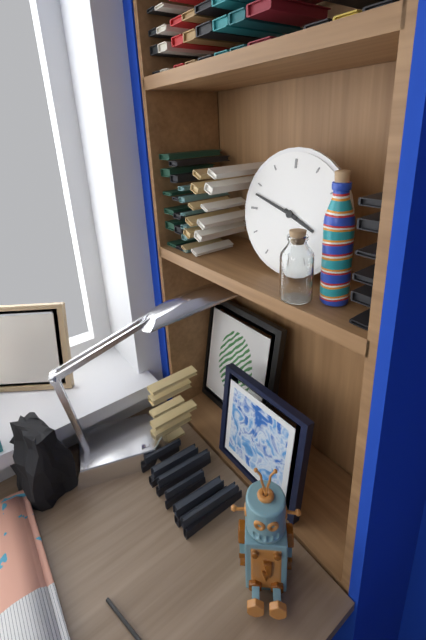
3.48
